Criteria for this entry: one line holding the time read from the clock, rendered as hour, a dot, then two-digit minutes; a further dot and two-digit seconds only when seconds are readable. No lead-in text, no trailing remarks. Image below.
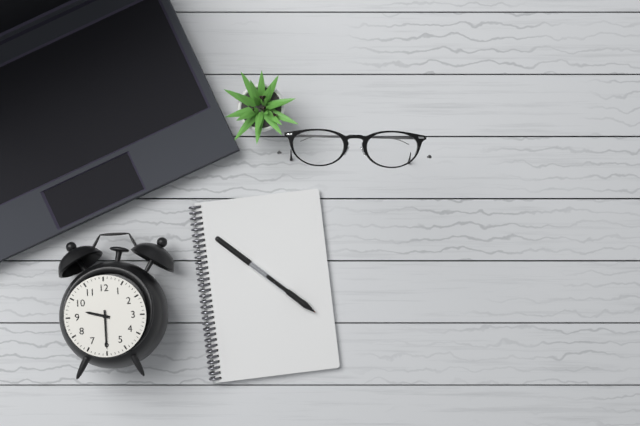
9.30
